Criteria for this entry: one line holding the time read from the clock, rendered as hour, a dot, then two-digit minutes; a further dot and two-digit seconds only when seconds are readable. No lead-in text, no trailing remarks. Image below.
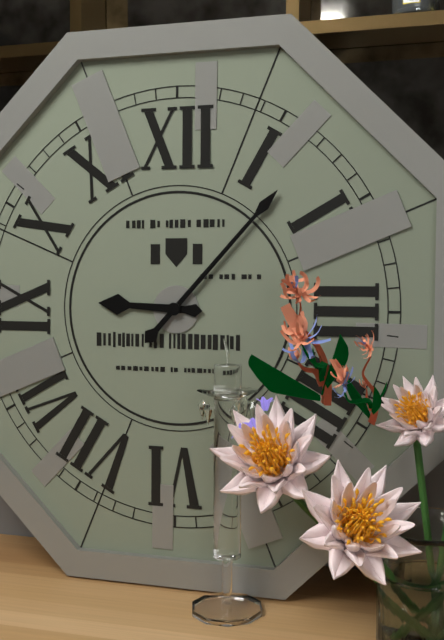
9.07
